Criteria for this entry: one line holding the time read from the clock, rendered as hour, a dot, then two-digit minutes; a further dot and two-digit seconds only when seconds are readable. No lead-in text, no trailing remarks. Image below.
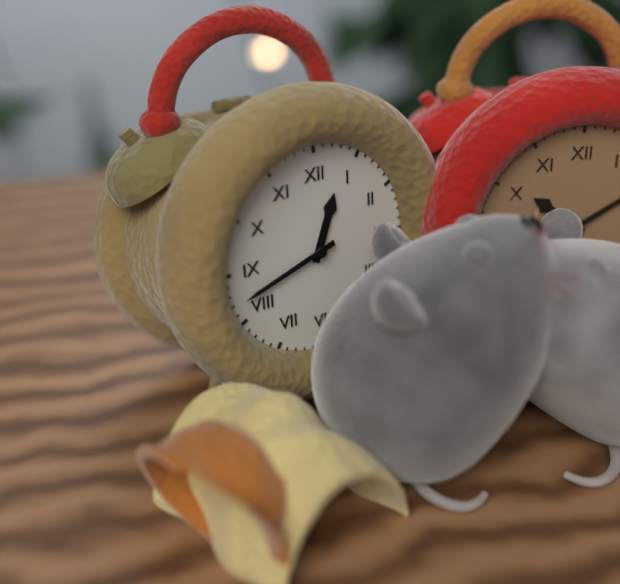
12.42
